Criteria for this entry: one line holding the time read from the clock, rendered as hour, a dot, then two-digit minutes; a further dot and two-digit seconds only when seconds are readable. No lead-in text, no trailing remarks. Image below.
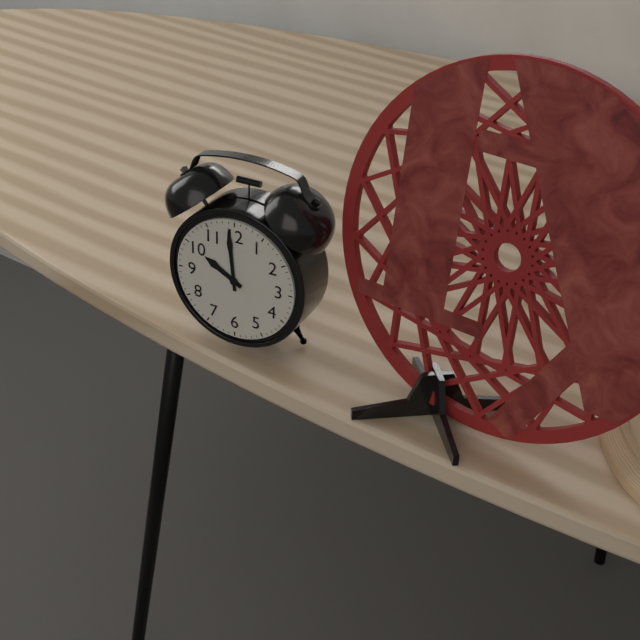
9.59
